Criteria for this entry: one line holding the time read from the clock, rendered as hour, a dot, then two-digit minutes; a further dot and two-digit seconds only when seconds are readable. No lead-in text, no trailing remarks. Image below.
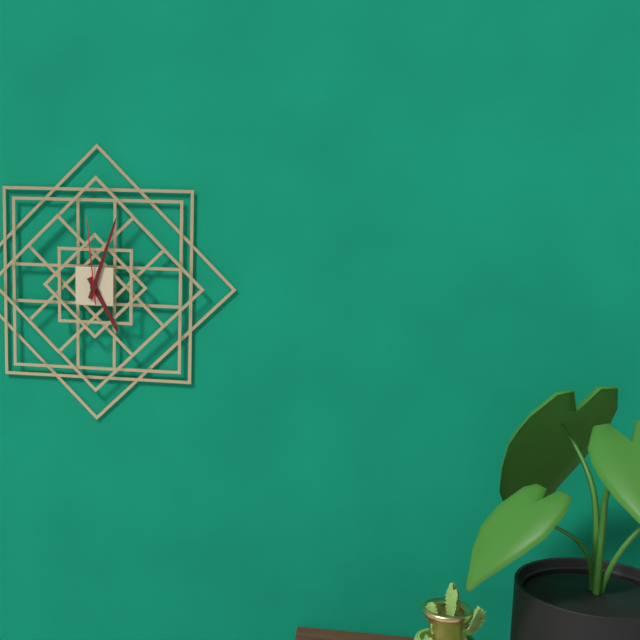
5.03.59
